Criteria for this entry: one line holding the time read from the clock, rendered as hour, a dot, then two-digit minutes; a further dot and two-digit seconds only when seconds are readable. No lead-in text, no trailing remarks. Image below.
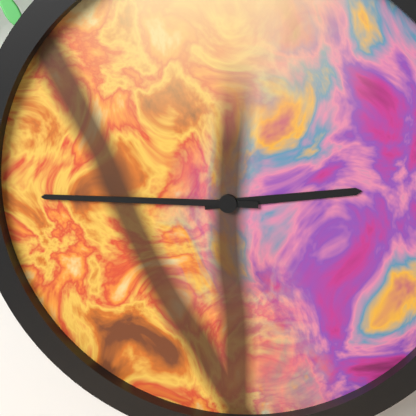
2.45
